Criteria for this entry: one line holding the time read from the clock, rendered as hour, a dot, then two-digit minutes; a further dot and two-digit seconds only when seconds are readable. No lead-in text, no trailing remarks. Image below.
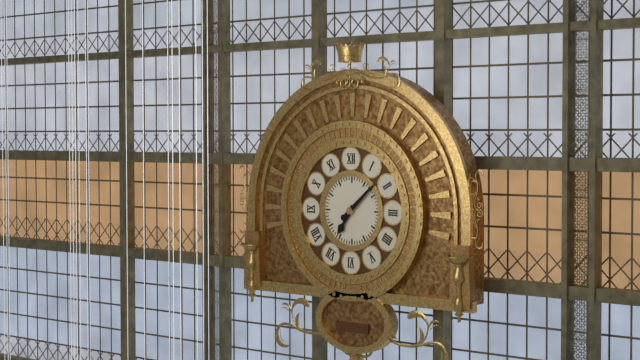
7.08
